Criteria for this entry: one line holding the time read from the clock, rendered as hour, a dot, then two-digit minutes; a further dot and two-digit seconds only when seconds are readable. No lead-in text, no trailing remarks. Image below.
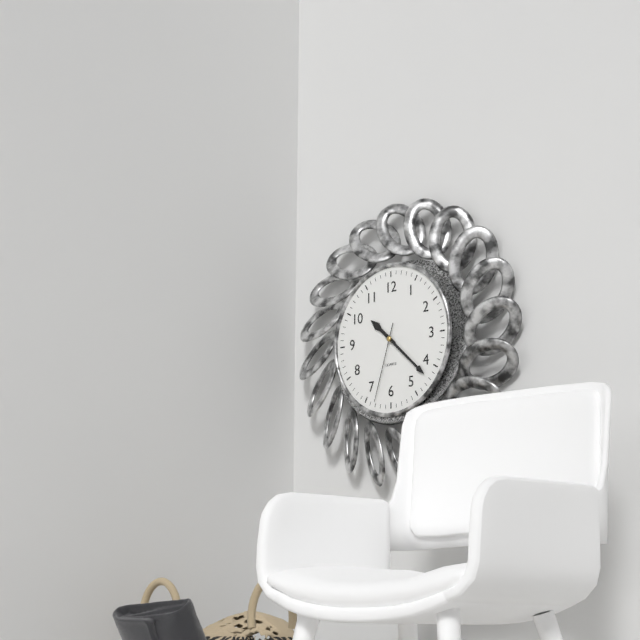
10.22.33
